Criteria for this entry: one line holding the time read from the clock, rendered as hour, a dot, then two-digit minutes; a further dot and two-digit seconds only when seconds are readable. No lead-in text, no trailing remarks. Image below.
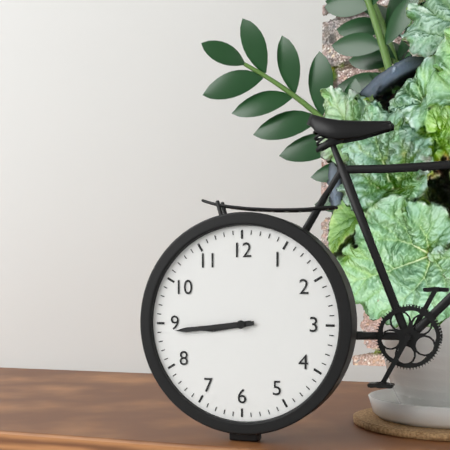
8.44
